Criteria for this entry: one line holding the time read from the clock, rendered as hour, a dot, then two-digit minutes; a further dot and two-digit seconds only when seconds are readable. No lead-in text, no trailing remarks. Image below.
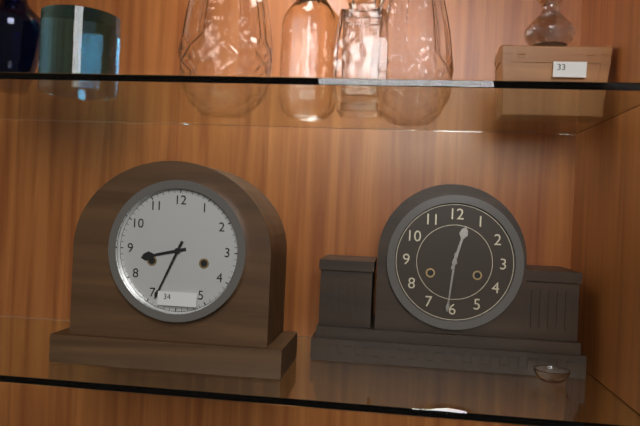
8.34
